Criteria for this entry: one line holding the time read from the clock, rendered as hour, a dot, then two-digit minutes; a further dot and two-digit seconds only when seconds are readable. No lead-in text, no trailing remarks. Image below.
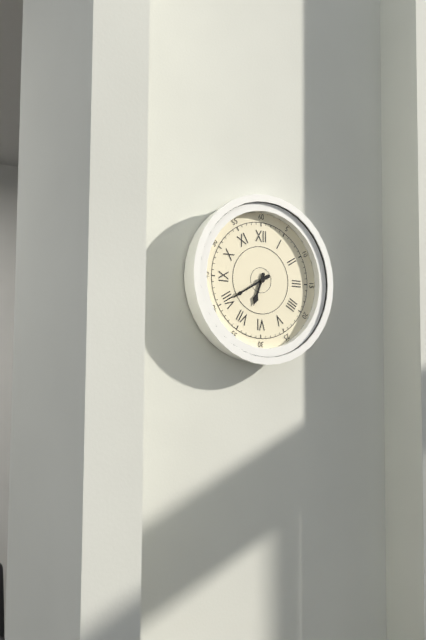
6.40
